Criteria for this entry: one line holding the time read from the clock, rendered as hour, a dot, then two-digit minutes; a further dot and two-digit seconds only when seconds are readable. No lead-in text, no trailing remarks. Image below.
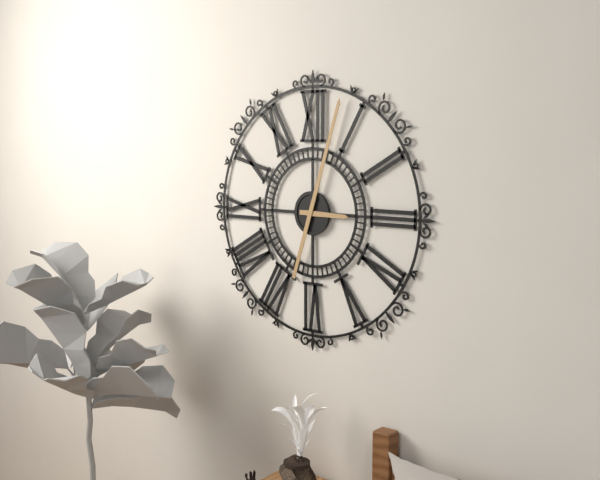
3.03
